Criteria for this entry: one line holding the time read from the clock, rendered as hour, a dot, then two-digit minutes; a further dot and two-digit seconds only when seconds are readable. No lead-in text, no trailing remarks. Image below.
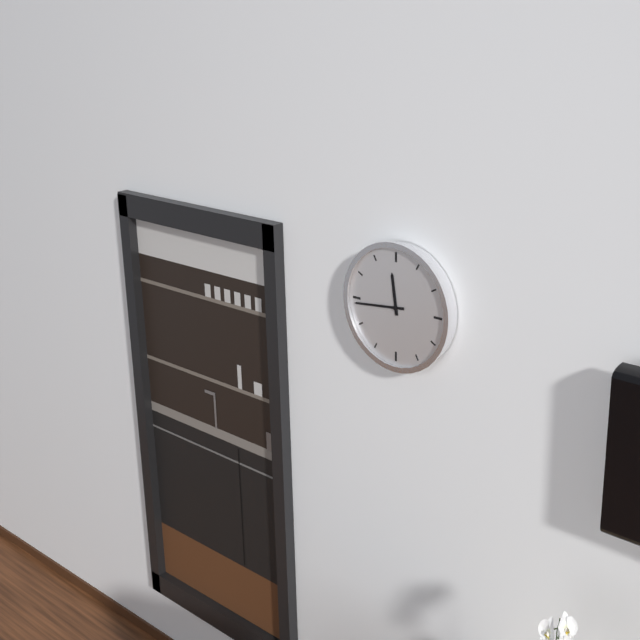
11.44
